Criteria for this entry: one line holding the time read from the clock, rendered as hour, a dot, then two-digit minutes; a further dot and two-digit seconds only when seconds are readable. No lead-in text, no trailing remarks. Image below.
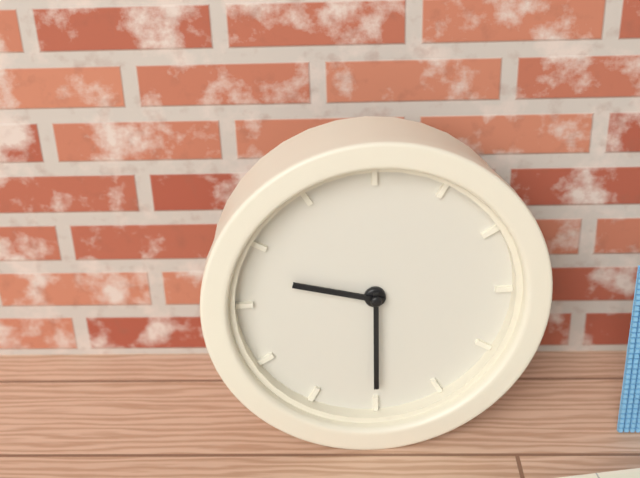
9.30
